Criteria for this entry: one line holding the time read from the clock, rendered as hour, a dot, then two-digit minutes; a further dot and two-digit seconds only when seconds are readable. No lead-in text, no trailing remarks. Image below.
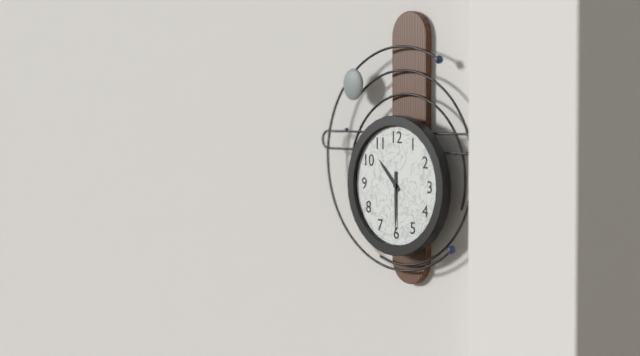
10.30
